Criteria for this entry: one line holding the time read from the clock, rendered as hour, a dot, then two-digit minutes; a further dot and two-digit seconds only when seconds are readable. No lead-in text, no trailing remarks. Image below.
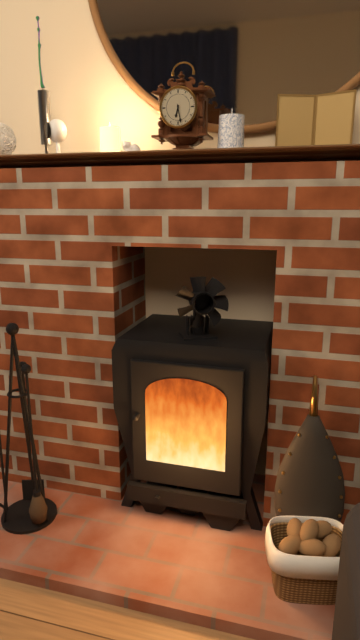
6.28
